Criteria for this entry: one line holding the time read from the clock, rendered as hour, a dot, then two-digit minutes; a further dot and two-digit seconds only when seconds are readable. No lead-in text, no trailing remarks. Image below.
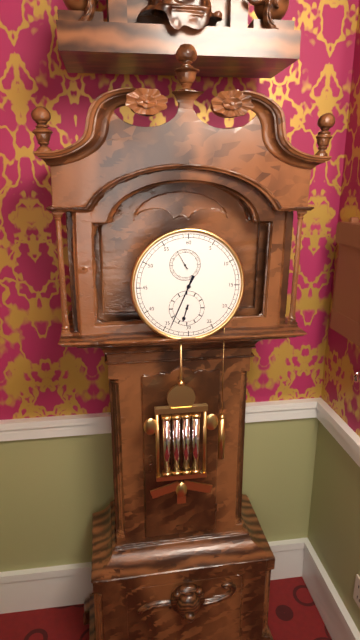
6.34
